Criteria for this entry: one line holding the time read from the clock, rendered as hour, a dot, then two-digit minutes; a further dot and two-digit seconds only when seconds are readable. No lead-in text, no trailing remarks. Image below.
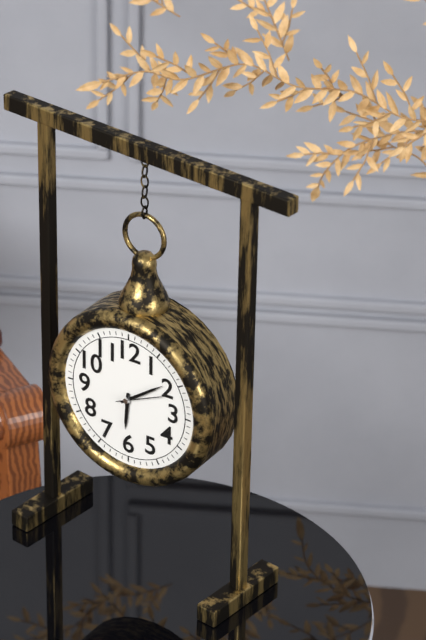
6.09.11
